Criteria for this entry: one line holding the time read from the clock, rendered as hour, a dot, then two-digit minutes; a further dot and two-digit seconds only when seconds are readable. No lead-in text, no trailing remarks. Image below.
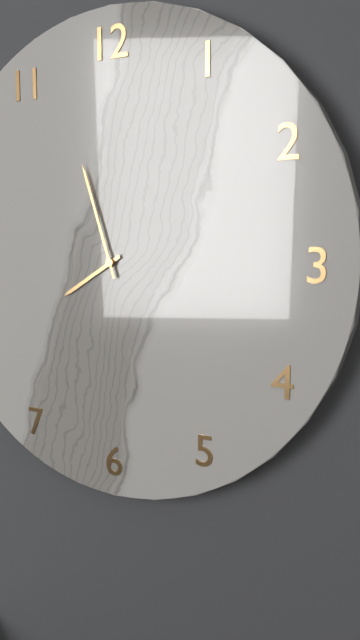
7.57
